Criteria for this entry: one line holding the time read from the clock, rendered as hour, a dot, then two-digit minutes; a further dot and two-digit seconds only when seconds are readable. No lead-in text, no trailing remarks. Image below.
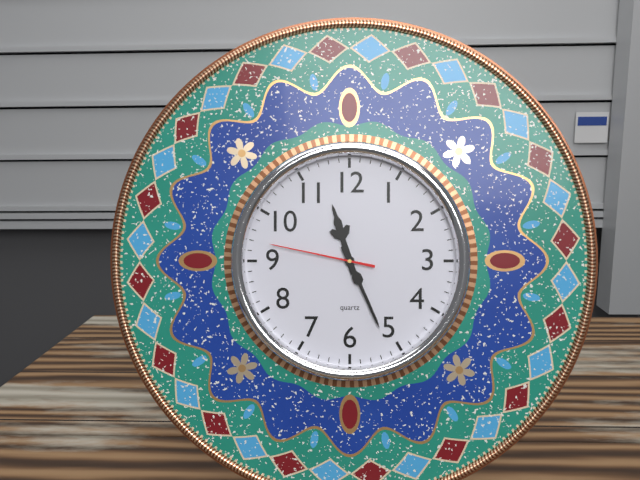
11.26.47
